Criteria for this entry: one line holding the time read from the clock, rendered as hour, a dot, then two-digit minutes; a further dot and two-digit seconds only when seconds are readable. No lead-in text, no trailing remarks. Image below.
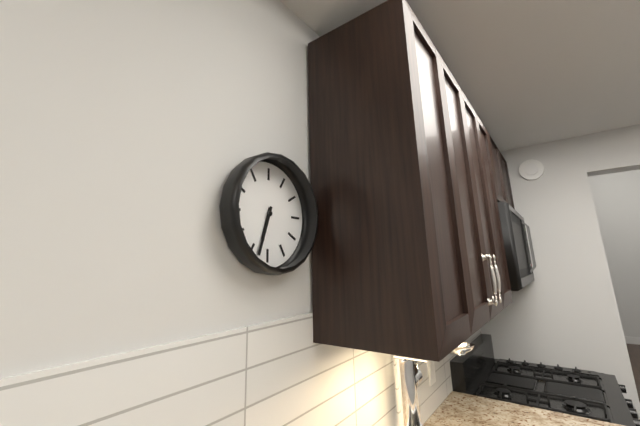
6.33
